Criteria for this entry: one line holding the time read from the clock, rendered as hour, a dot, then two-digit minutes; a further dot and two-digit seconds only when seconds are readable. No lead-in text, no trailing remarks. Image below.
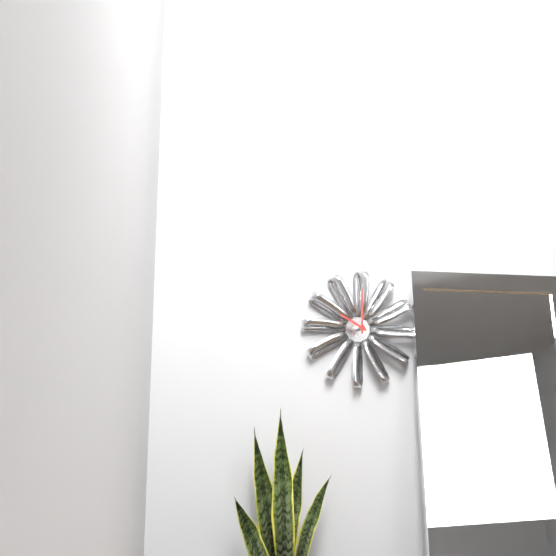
10.00
